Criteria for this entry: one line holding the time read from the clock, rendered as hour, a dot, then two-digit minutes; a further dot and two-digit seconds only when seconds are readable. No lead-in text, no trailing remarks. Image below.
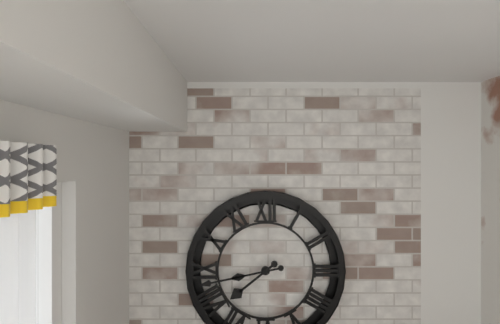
7.43
